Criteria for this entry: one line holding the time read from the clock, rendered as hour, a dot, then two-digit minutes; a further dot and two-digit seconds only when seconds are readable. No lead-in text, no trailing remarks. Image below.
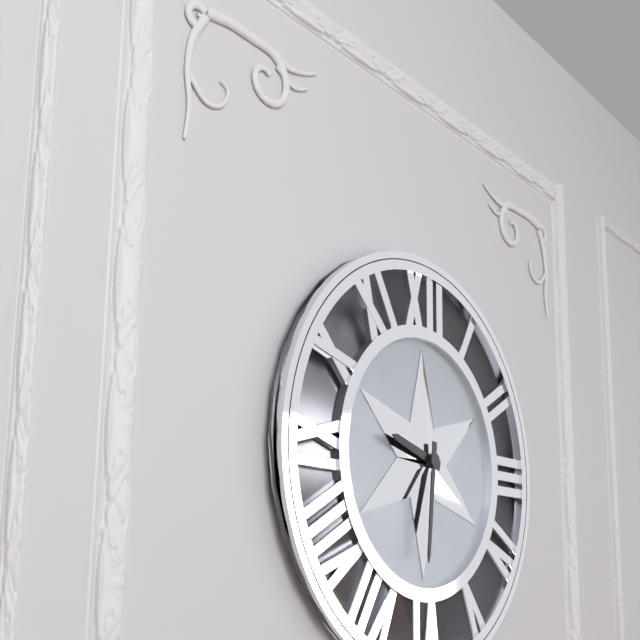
9.31
